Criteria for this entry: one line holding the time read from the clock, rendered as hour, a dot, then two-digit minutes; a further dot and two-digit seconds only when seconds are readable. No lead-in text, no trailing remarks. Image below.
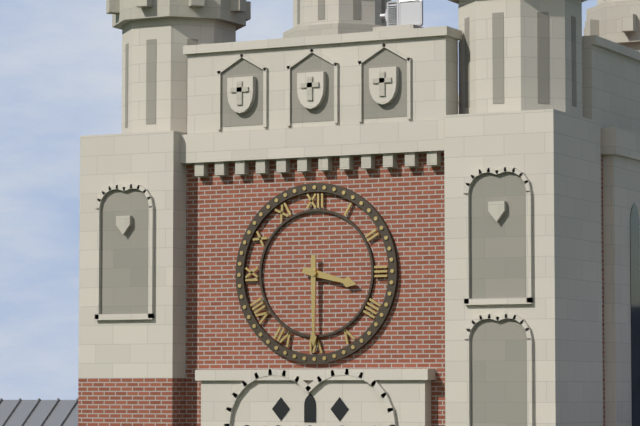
3.30
